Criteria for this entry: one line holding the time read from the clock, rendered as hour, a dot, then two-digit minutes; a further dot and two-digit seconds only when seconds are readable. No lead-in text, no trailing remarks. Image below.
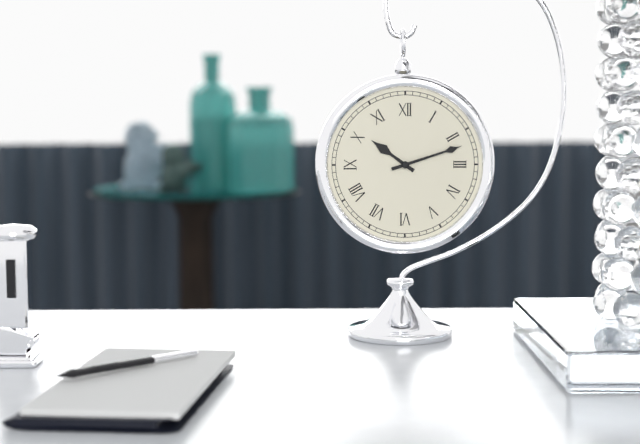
10.12
